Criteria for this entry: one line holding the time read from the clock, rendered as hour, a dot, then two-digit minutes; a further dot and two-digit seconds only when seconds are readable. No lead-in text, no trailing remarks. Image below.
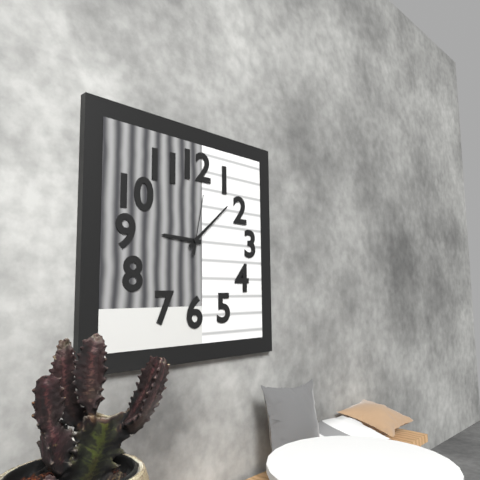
9.08.02
